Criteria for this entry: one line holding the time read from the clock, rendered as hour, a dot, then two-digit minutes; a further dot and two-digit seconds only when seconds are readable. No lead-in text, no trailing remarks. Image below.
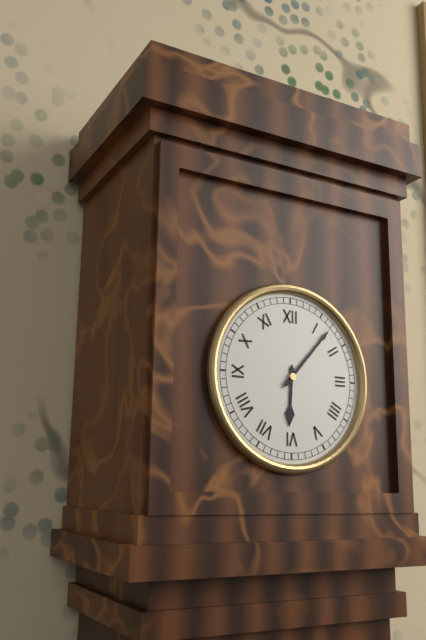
6.07
